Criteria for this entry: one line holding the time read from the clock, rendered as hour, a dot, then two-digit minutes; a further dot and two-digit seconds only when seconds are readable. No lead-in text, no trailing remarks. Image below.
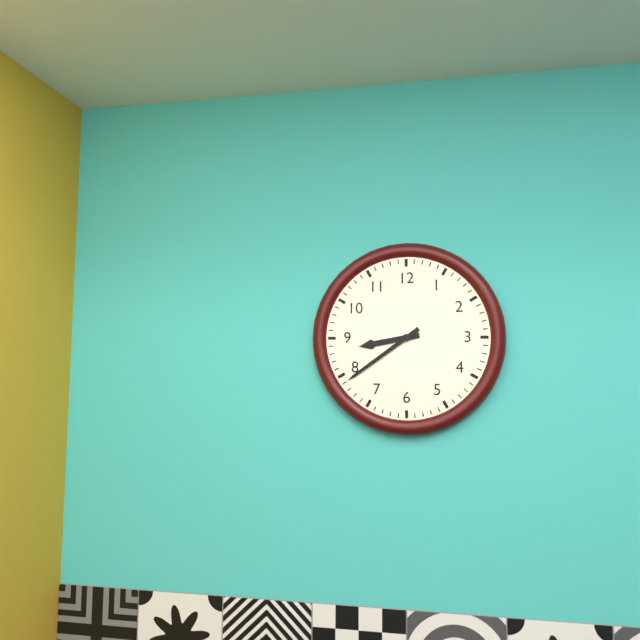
8.39
